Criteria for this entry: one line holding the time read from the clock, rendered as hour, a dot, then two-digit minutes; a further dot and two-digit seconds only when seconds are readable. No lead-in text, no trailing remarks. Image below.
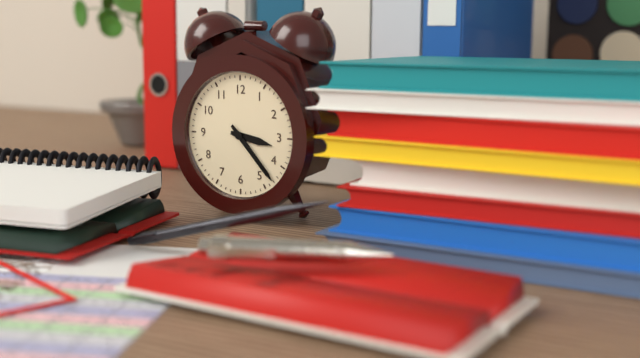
3.23
